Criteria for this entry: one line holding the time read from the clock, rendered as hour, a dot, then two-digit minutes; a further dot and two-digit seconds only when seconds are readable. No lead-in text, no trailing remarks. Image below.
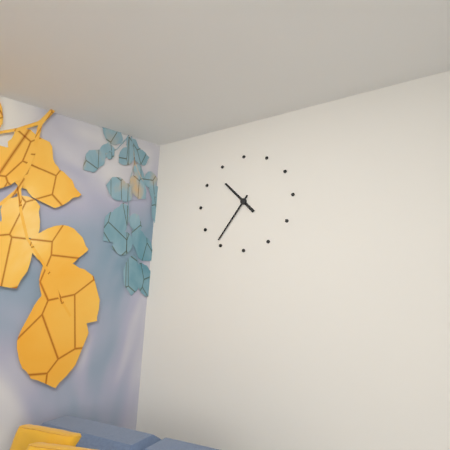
10.36
